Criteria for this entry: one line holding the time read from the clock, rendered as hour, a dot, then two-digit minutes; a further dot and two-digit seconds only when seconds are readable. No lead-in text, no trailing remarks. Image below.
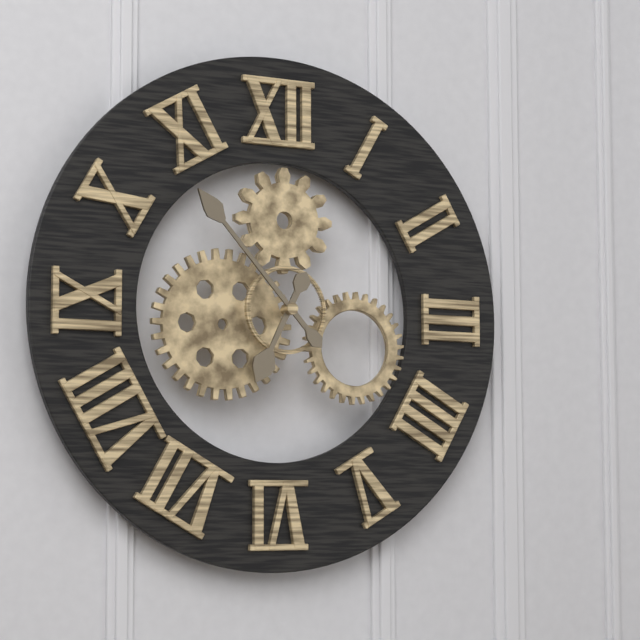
6.53
